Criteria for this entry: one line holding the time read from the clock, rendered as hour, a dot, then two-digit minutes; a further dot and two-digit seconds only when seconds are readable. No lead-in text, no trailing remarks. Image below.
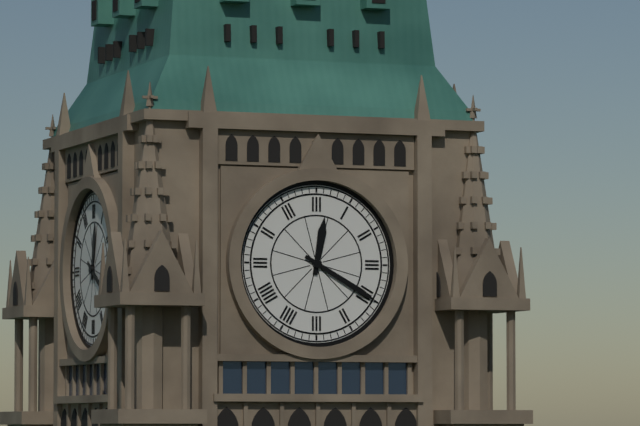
12.20
